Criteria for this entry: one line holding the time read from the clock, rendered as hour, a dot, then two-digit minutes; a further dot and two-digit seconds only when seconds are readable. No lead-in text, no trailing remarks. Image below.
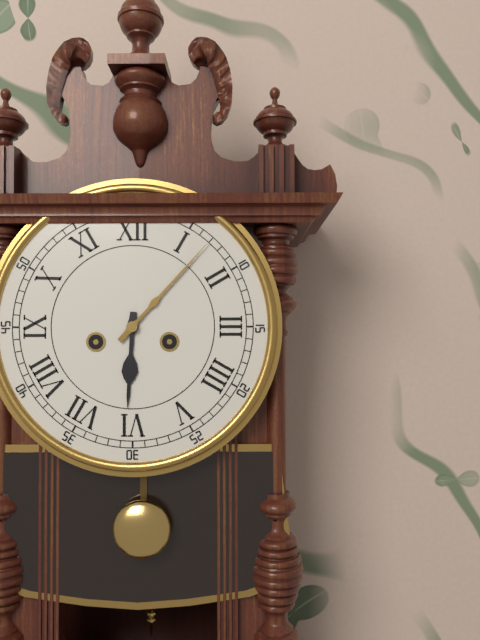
6.07
